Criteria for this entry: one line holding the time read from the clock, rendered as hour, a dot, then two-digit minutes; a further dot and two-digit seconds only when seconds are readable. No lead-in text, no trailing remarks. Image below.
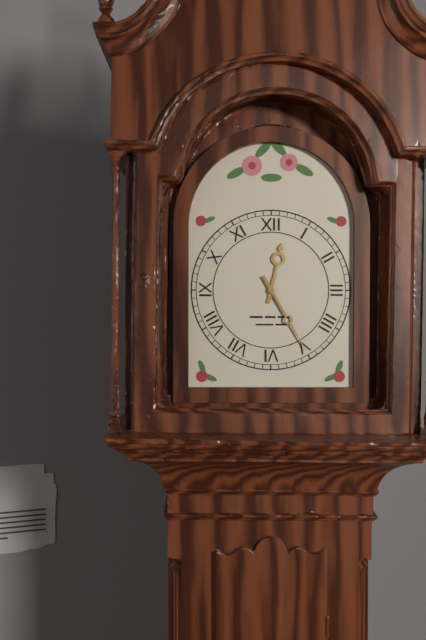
12.25
